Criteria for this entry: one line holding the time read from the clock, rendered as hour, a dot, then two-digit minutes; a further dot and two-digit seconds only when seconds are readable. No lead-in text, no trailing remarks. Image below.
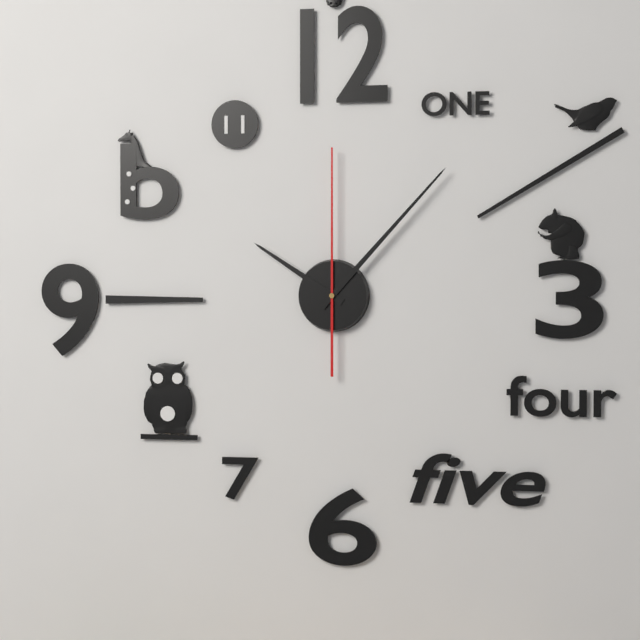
10.07.00
